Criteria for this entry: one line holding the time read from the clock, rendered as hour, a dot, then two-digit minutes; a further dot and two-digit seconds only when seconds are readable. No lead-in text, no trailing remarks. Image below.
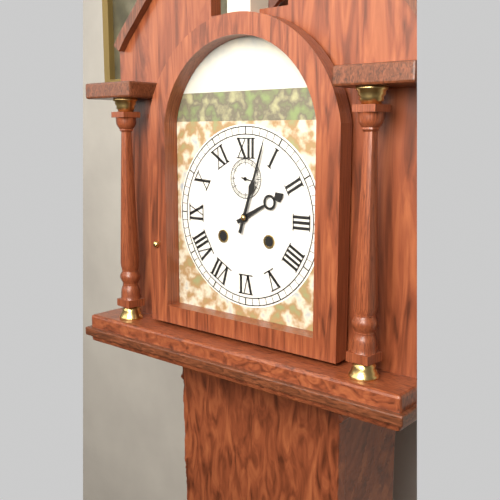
2.03
